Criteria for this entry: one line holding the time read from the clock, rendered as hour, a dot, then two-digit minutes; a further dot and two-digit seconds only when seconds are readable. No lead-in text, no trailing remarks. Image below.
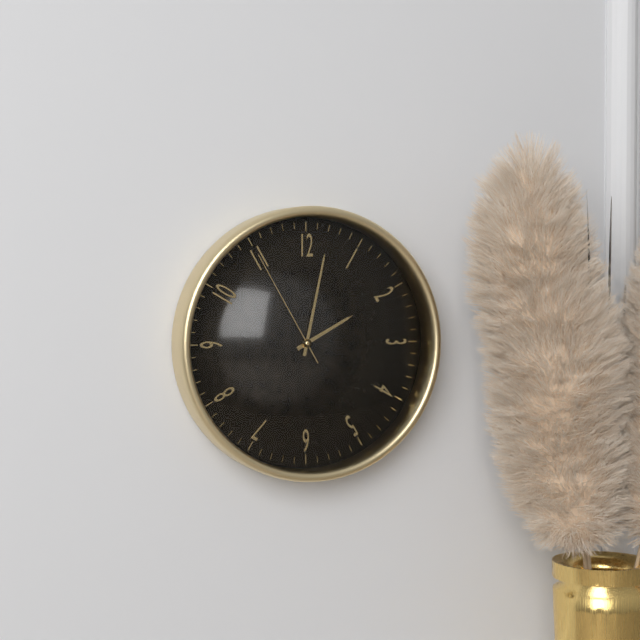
2.02.55
